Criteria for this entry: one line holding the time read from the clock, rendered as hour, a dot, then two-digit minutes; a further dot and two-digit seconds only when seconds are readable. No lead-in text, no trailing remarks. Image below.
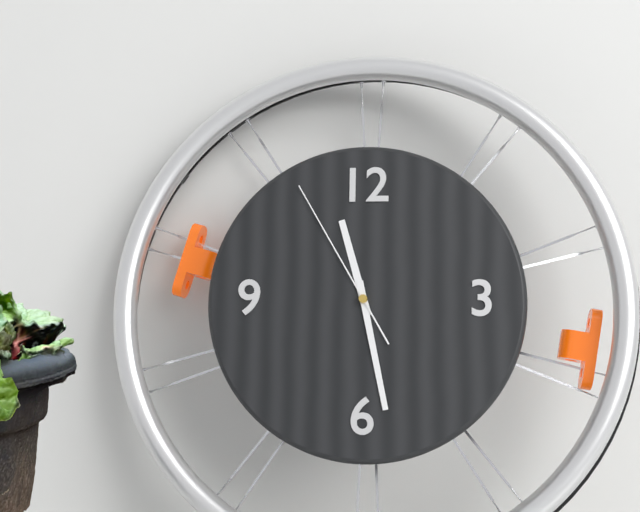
11.28.55
